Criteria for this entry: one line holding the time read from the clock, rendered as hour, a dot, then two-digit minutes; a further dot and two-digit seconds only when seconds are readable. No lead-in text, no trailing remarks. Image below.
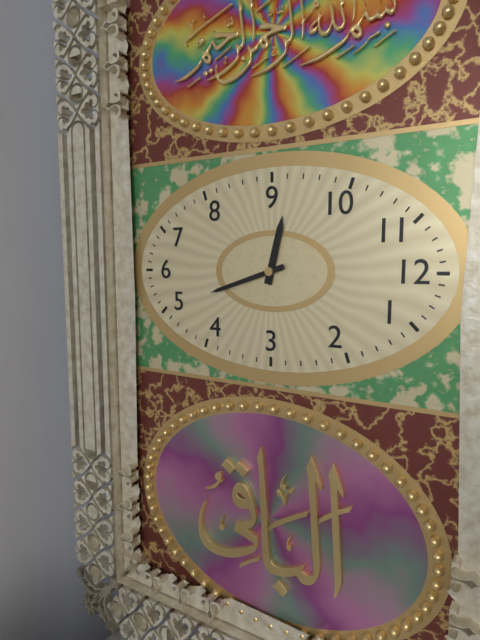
9.27
